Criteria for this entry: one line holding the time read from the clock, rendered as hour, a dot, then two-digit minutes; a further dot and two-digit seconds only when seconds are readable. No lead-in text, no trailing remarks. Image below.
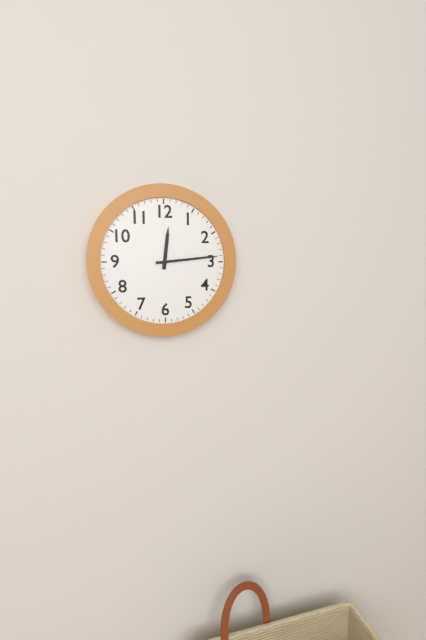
12.14
